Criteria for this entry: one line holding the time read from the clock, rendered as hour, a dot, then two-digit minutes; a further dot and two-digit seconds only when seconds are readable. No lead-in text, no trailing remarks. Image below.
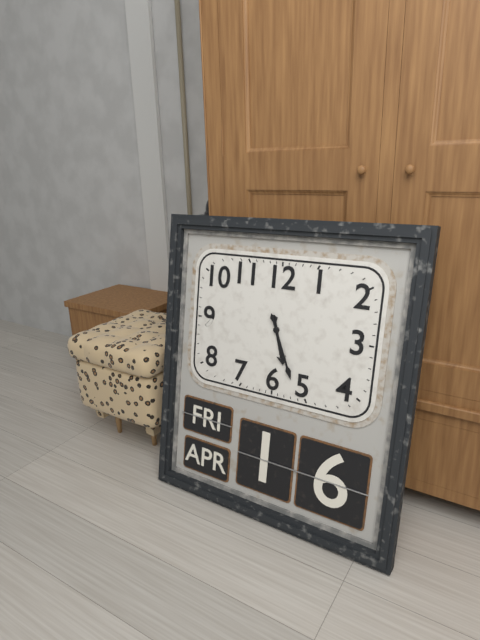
5.26
